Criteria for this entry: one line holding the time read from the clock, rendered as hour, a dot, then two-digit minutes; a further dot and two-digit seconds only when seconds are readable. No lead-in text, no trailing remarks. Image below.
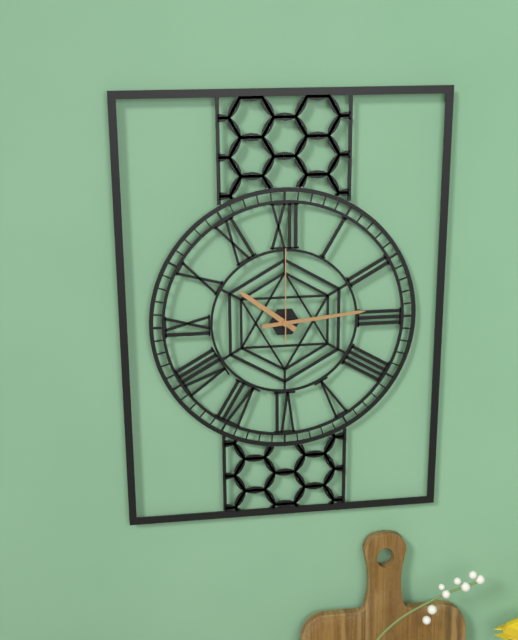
10.14.00
